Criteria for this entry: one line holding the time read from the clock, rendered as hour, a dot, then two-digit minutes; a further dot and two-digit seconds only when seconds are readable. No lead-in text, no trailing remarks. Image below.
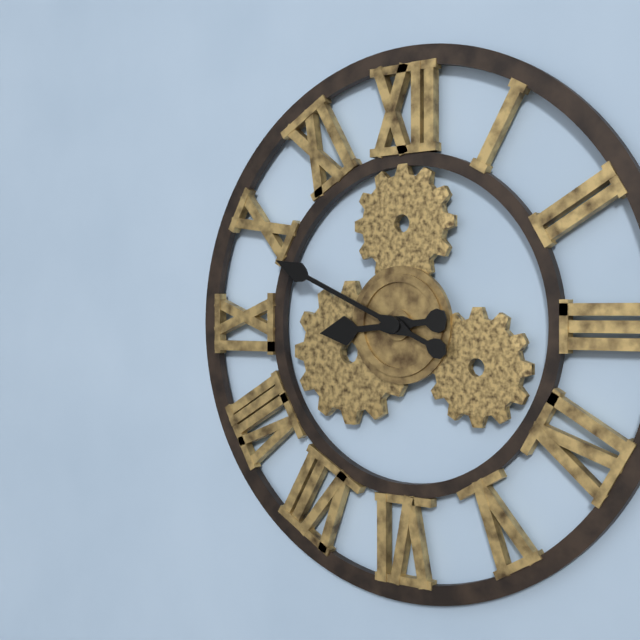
8.49
